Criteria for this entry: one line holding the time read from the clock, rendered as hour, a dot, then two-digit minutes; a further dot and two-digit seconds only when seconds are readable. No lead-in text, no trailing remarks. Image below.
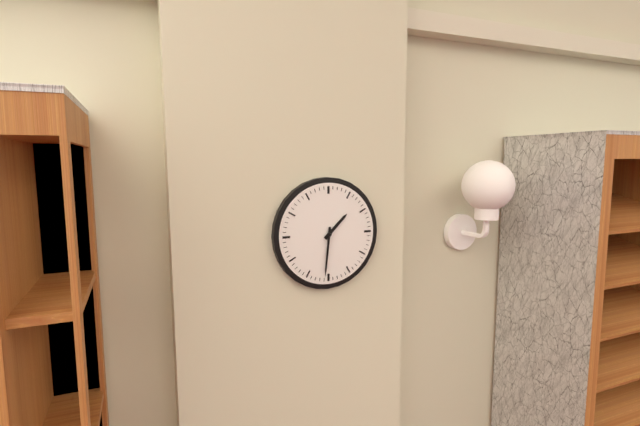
1.31
